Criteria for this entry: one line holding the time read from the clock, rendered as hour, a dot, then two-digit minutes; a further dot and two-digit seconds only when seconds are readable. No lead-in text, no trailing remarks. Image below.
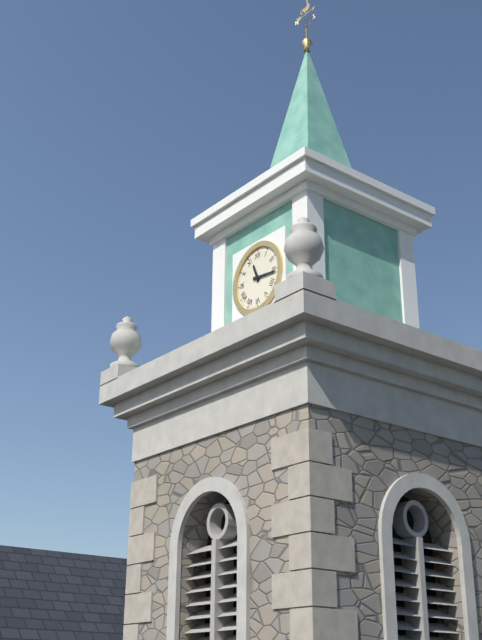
11.16
